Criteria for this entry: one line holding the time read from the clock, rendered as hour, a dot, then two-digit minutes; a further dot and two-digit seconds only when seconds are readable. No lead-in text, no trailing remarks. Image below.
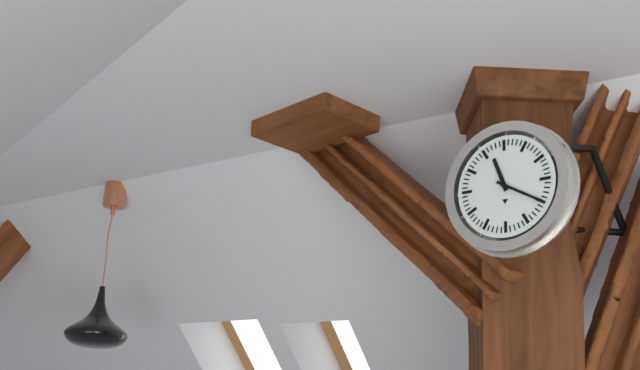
11.20
